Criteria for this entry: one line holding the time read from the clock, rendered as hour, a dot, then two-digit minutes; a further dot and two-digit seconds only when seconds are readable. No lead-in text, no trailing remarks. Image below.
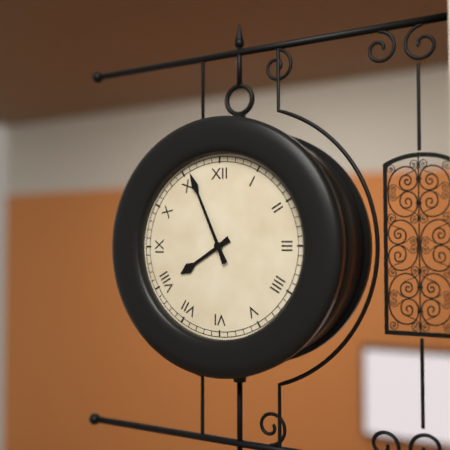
7.56
